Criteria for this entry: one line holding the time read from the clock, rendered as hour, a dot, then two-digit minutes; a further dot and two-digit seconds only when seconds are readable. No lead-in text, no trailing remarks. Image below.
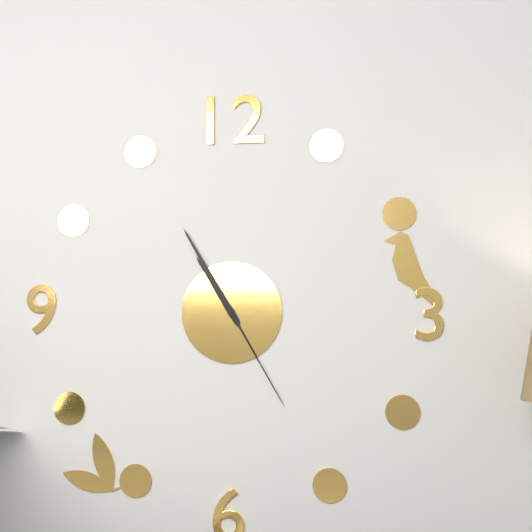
10.55.25
